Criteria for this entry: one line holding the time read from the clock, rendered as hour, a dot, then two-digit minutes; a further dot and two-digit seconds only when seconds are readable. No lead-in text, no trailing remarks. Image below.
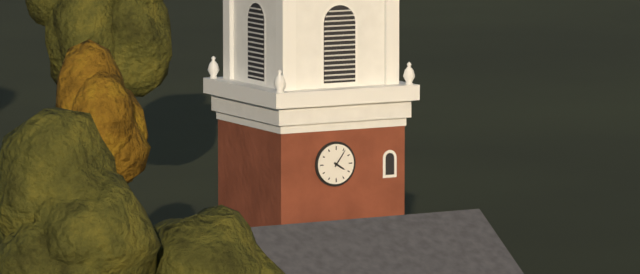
4.06
